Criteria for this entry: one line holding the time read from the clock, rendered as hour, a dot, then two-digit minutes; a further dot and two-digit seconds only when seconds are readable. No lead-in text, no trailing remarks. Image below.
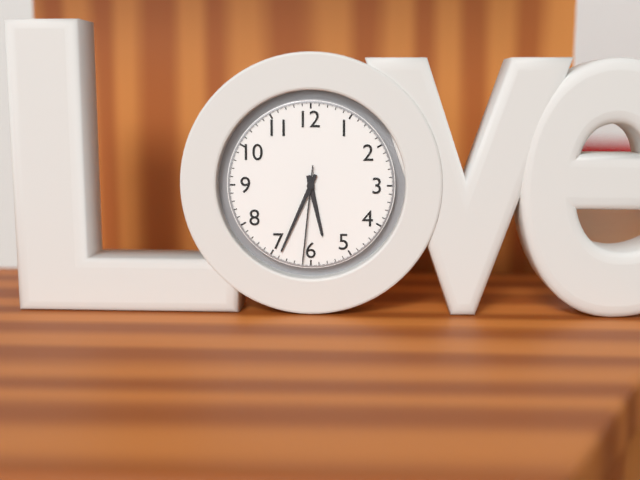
5.34.31
